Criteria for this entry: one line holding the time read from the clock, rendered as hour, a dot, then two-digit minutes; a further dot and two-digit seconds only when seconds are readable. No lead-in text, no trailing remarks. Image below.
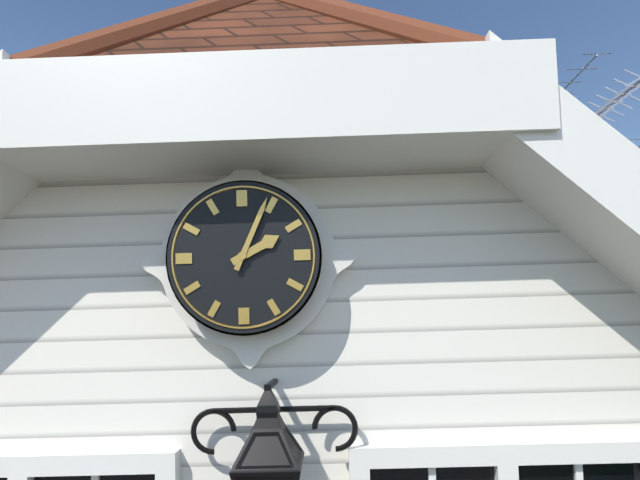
2.04
